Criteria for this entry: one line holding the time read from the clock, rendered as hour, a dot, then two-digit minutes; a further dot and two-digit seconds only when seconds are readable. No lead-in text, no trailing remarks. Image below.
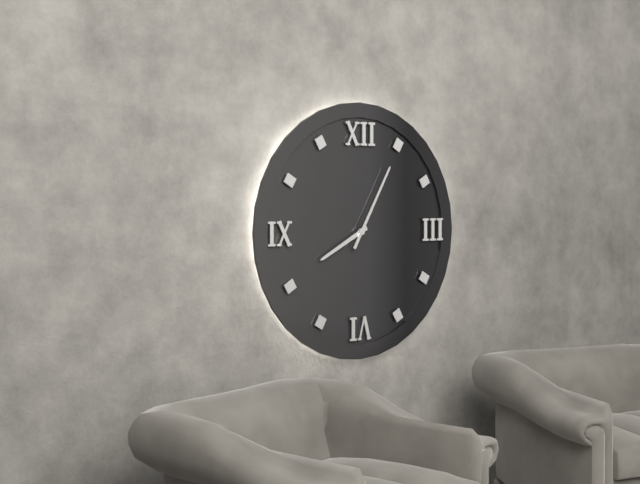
8.05
